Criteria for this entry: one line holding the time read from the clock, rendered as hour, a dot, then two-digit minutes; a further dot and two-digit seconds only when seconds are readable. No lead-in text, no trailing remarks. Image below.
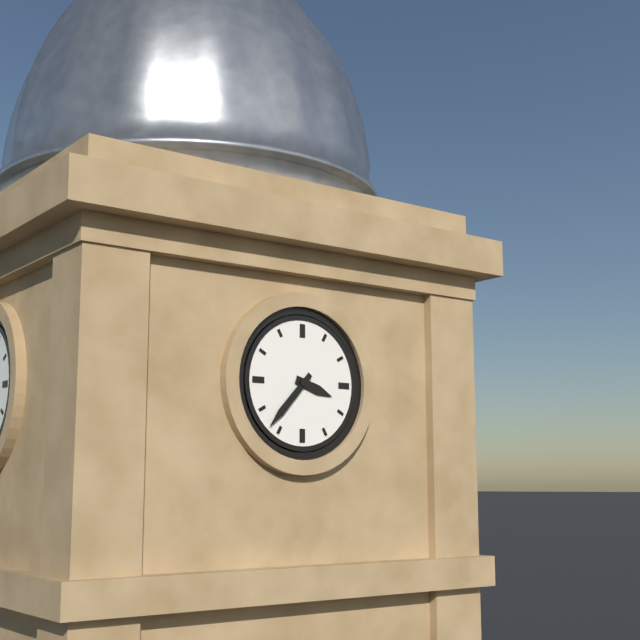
3.37
